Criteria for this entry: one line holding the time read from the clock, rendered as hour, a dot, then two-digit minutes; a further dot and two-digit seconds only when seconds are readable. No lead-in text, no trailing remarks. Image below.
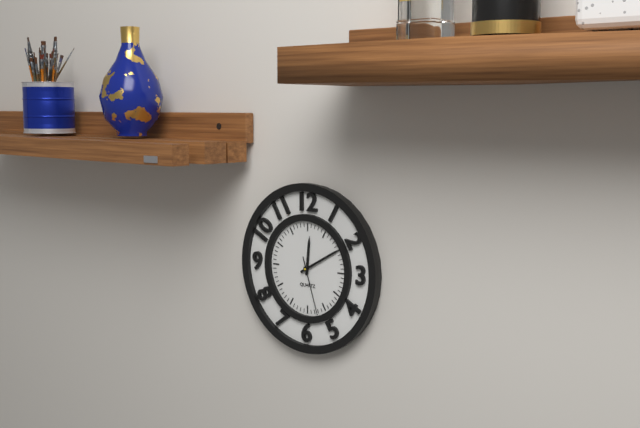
12.10.27
